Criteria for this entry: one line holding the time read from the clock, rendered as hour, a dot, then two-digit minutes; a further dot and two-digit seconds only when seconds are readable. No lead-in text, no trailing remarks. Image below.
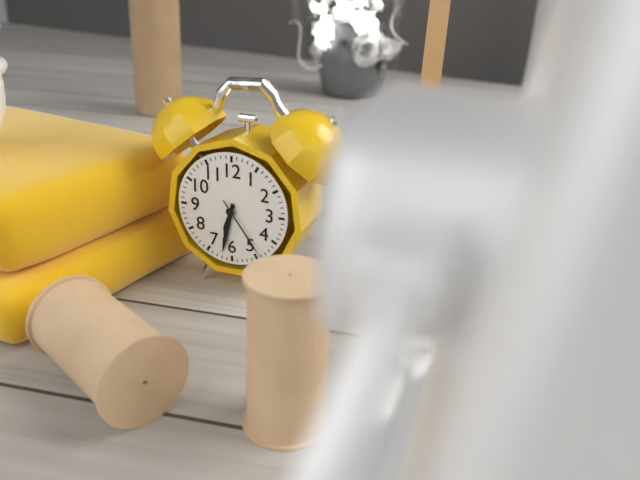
6.32.24
